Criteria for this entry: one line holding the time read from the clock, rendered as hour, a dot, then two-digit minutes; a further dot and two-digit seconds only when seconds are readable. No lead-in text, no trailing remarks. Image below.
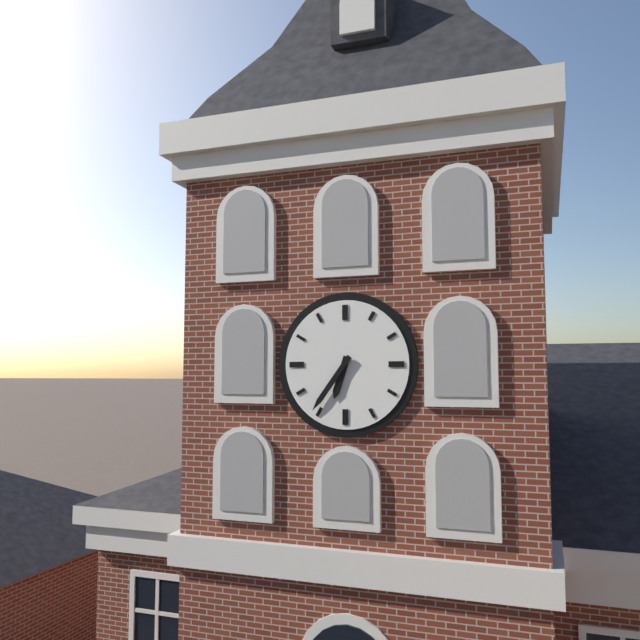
6.36
